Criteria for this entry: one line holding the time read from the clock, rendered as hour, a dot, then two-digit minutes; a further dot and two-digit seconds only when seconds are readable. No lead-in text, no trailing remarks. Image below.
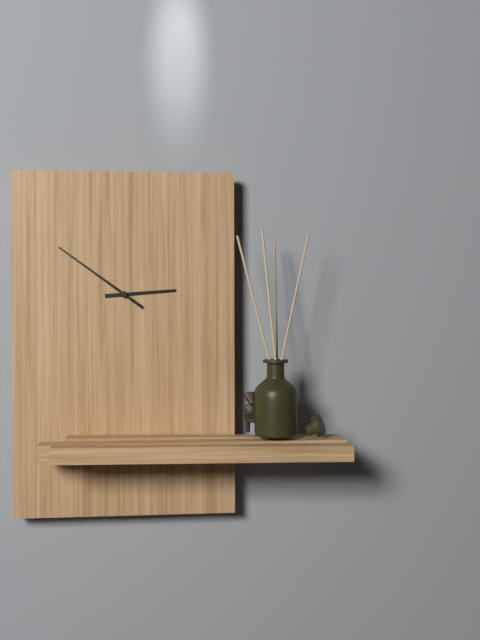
2.51
